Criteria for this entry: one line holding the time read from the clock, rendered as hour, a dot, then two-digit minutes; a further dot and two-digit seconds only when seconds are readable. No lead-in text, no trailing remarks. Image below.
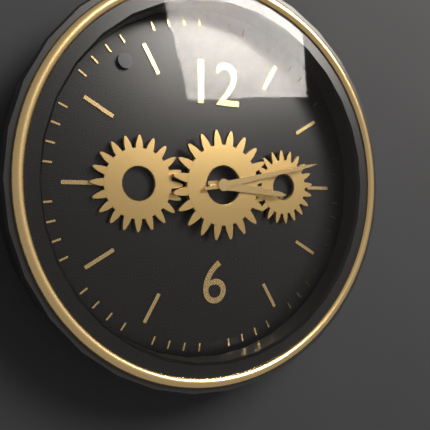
3.13
